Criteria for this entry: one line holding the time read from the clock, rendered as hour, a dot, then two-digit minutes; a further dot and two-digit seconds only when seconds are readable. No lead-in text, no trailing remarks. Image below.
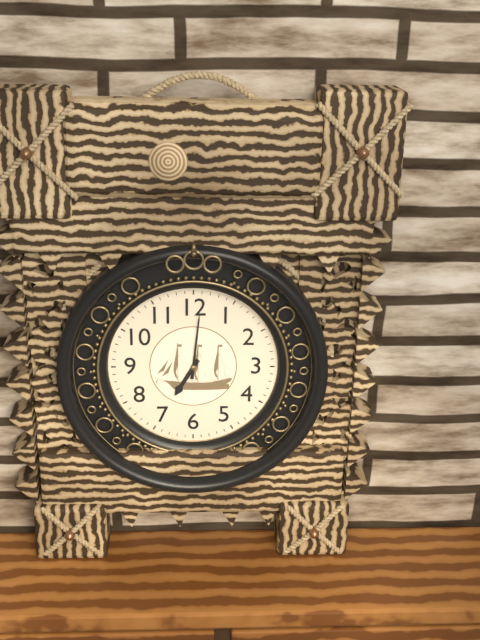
7.01
